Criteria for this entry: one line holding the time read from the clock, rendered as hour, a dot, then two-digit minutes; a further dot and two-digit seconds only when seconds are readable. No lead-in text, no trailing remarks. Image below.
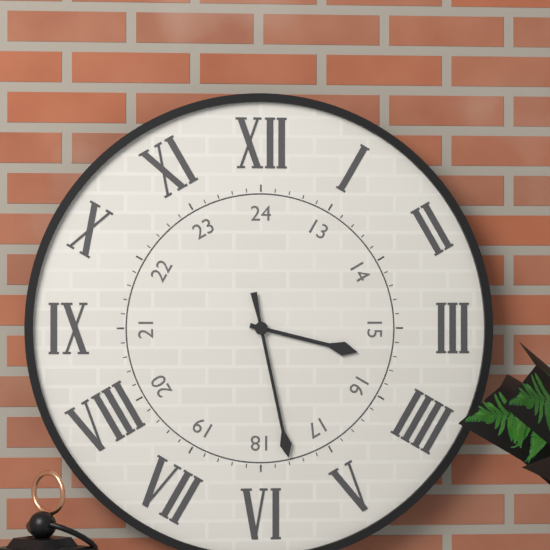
3.28
